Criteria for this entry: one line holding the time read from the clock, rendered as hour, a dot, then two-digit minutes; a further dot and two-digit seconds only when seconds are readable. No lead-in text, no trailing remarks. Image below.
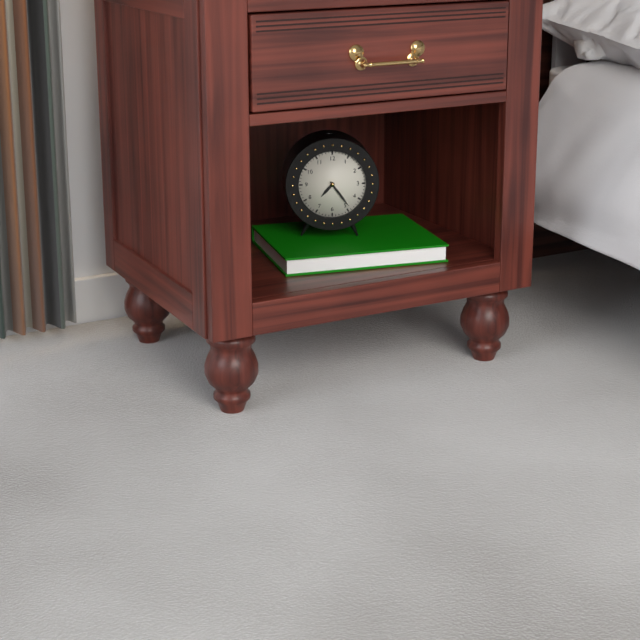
7.24
